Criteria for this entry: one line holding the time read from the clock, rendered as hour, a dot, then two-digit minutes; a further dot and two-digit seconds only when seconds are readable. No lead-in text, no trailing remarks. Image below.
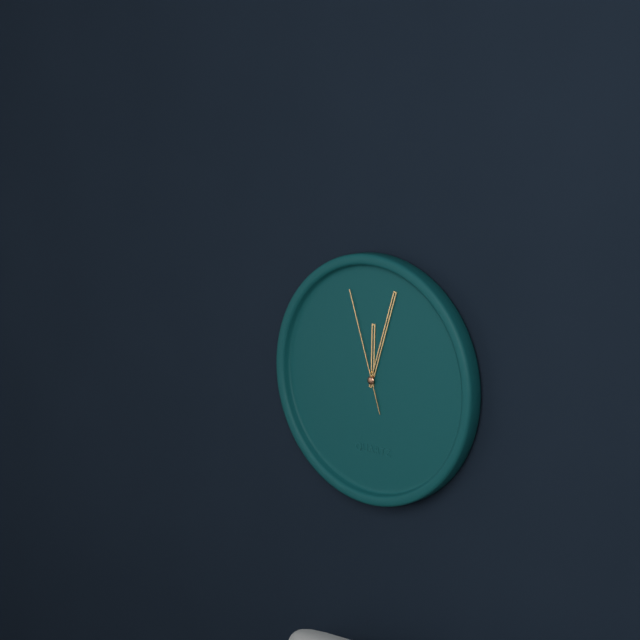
12.03.57
